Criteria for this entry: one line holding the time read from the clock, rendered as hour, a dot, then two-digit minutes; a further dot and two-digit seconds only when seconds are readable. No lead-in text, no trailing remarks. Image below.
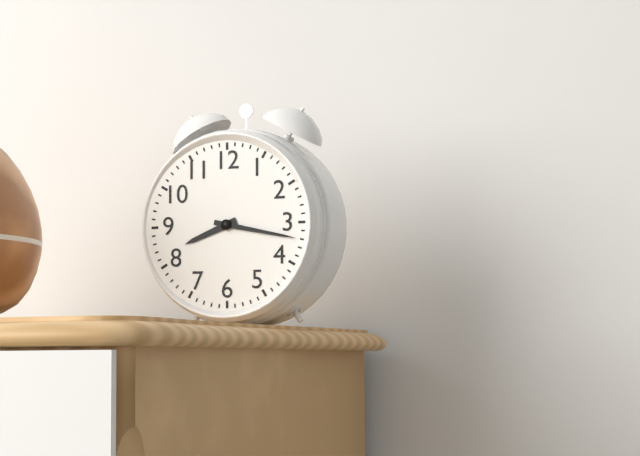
8.17
